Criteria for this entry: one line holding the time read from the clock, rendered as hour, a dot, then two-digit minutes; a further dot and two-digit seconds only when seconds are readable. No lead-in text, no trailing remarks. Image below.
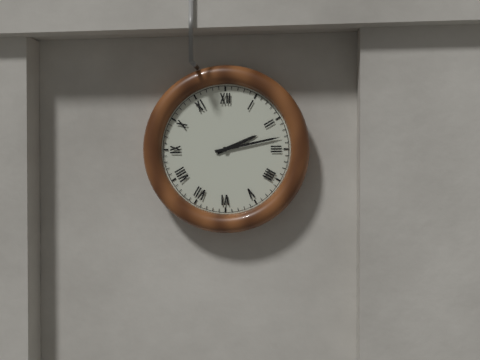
2.13
